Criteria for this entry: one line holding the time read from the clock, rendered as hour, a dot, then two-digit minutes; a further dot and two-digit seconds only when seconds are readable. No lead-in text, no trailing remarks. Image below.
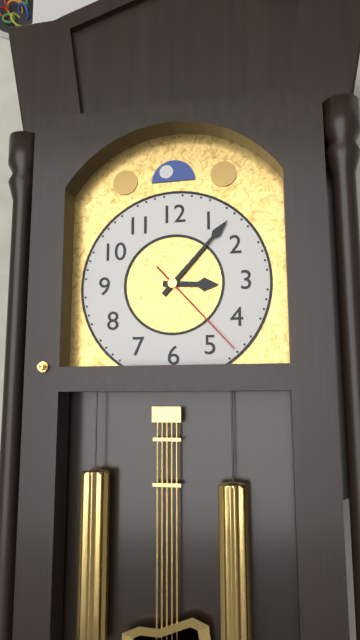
3.07.23
